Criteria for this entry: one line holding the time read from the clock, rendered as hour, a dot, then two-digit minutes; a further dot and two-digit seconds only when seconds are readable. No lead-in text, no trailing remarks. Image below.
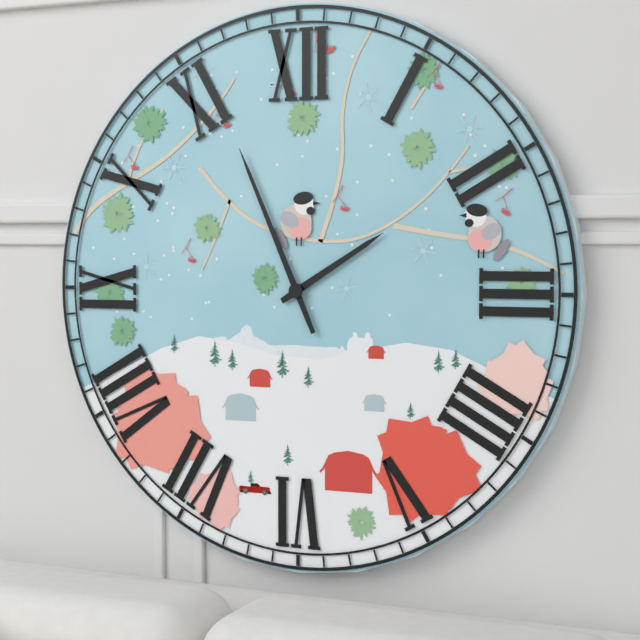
1.56
